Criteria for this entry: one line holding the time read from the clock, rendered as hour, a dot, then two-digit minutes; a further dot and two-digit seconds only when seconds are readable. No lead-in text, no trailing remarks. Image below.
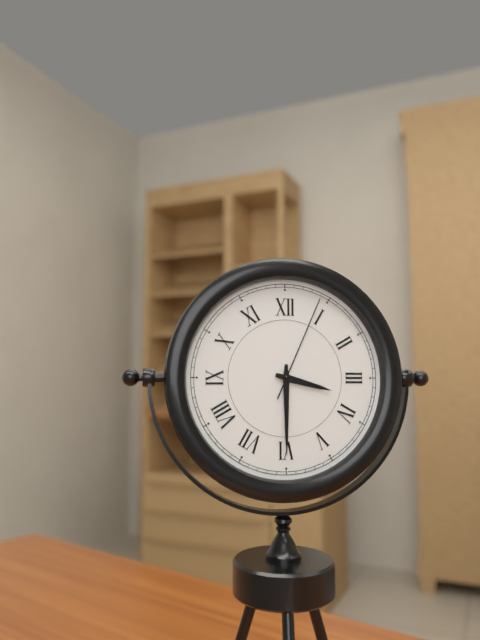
3.30.04
